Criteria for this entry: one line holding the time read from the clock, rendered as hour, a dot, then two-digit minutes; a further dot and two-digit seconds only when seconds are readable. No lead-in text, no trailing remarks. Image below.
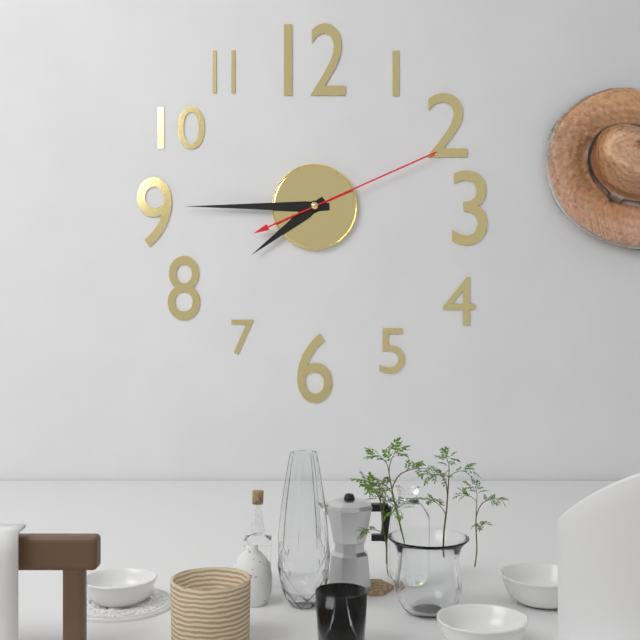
7.45.11
